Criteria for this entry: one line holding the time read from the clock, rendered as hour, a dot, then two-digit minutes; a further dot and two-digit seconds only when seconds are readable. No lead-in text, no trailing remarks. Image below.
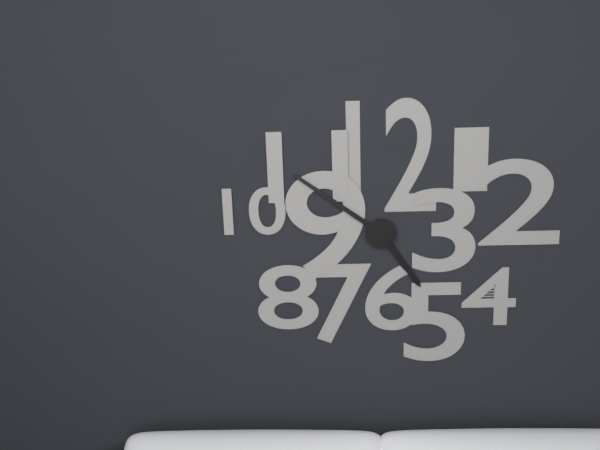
4.51
